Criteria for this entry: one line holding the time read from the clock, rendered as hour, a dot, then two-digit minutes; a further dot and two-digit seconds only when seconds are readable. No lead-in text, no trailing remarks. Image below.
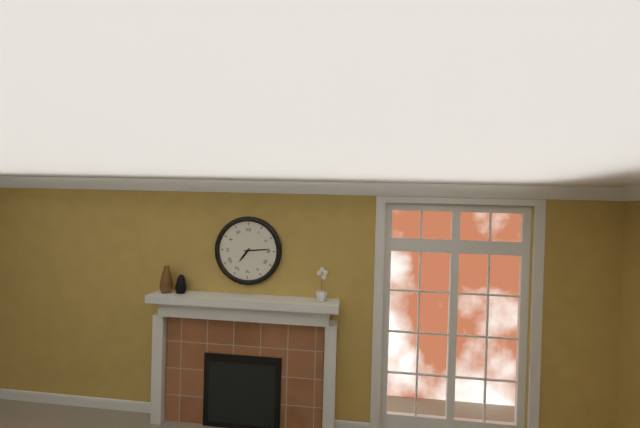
7.14
